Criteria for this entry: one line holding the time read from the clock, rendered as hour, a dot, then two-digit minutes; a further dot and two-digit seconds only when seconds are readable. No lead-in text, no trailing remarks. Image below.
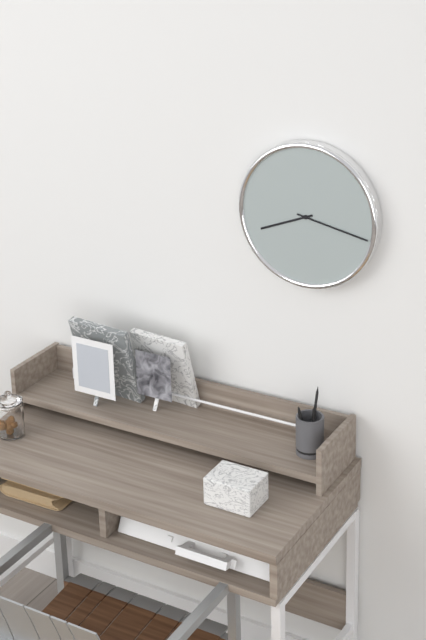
8.17
